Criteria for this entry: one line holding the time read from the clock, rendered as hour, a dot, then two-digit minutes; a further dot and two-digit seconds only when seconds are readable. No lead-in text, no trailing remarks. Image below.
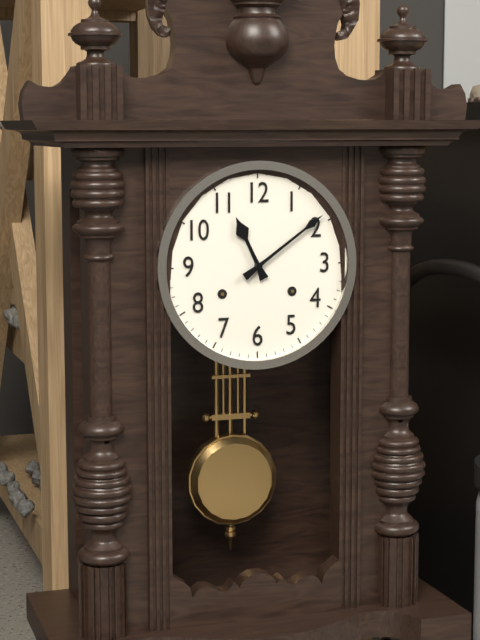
11.09
